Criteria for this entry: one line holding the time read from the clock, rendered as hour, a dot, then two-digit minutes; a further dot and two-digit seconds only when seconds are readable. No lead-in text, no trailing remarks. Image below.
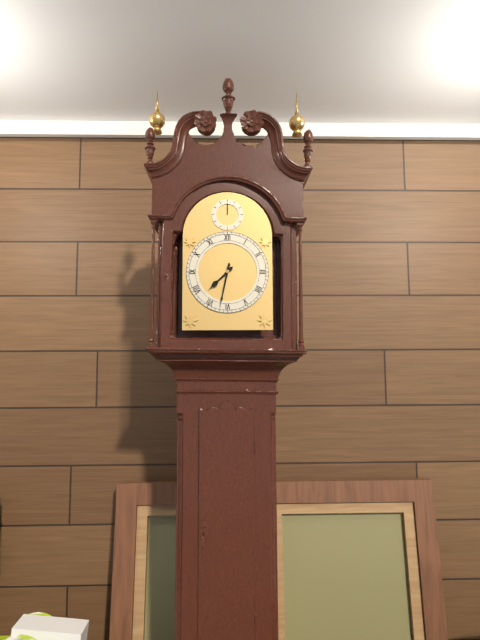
7.32
